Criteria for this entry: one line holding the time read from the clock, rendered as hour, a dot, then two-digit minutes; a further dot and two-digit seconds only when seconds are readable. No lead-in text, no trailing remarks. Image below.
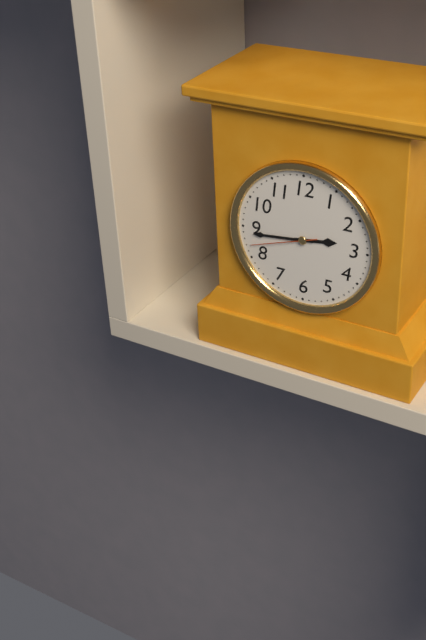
2.44.42
